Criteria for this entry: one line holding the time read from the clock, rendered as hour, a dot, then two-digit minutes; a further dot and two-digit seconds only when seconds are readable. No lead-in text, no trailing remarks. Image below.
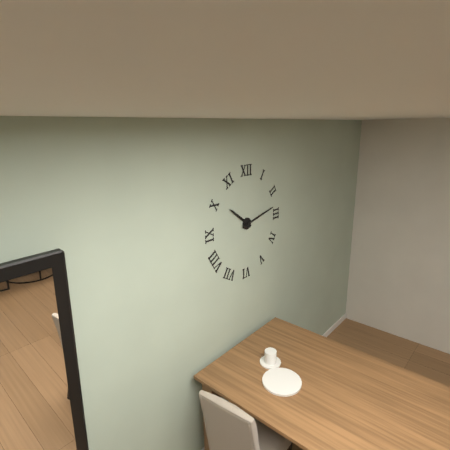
10.13
